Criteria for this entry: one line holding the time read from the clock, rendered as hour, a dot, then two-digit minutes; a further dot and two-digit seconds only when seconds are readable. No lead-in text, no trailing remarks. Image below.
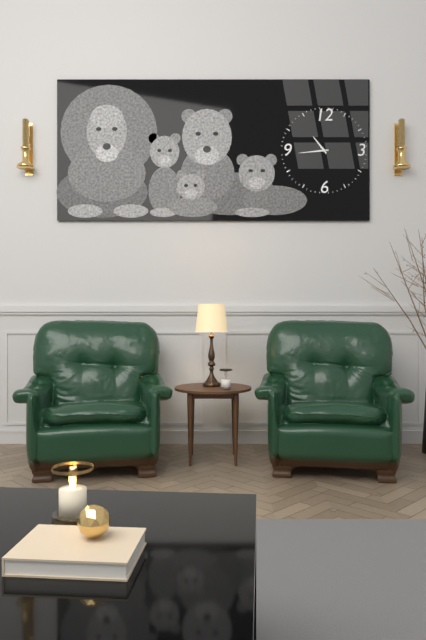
10.44
